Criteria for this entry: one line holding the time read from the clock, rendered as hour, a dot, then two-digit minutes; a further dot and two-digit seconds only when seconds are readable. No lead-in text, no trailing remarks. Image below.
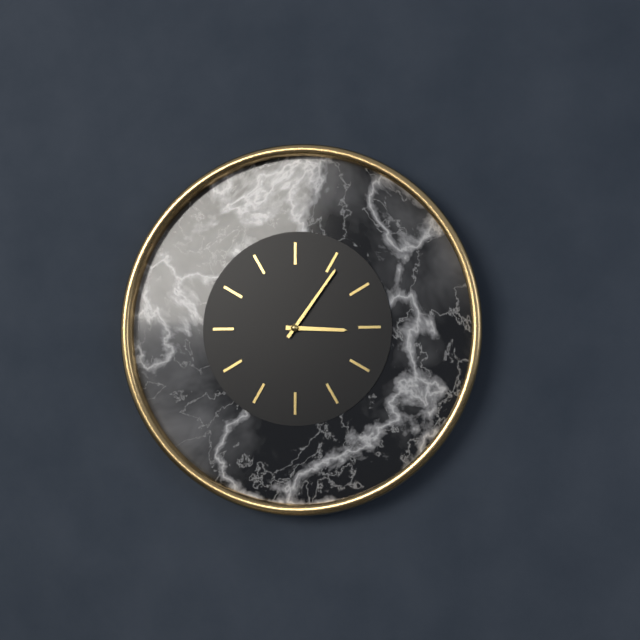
3.06
